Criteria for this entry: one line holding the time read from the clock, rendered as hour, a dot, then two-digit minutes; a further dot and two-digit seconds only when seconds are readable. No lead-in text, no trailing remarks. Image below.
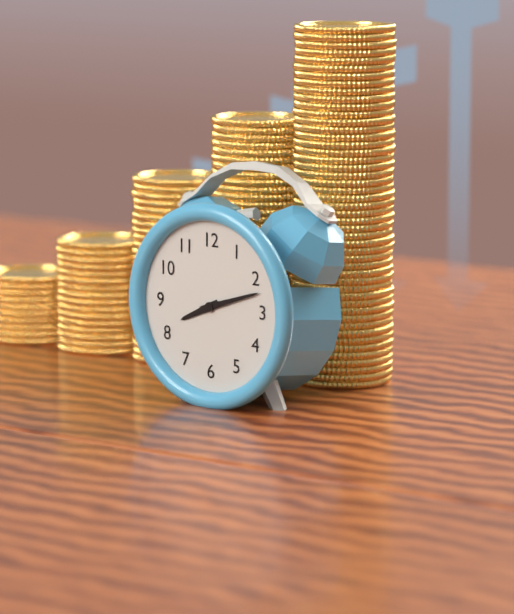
8.12
